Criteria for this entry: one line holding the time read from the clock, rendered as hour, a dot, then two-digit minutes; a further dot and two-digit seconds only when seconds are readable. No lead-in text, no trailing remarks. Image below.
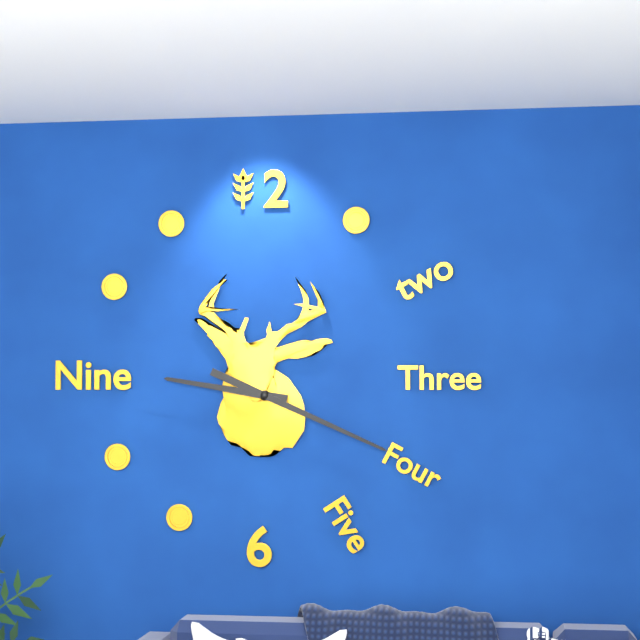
9.19
